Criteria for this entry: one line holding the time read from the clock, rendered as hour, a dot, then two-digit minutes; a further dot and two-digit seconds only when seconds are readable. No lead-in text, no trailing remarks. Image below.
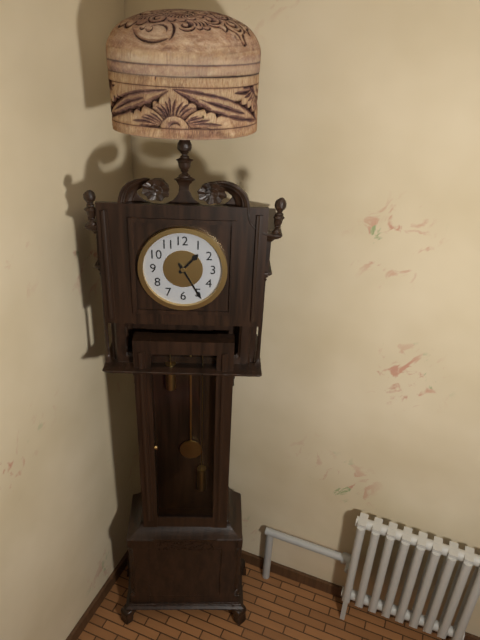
1.25
